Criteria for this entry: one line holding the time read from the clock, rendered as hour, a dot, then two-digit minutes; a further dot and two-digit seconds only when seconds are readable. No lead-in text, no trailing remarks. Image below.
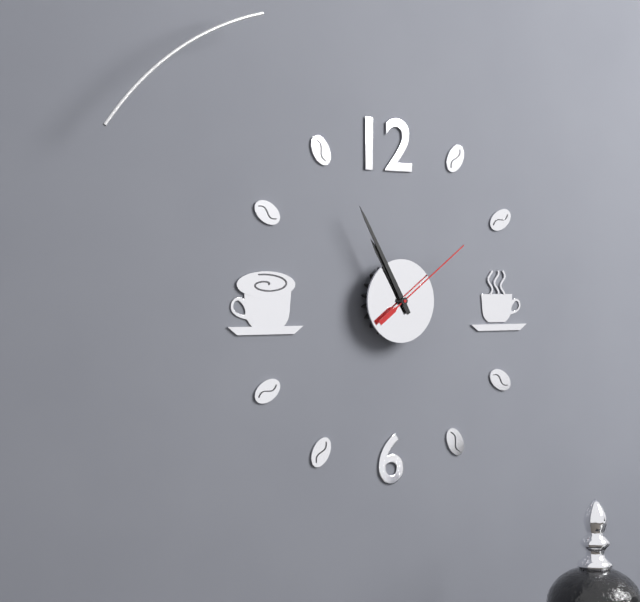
10.55.09
